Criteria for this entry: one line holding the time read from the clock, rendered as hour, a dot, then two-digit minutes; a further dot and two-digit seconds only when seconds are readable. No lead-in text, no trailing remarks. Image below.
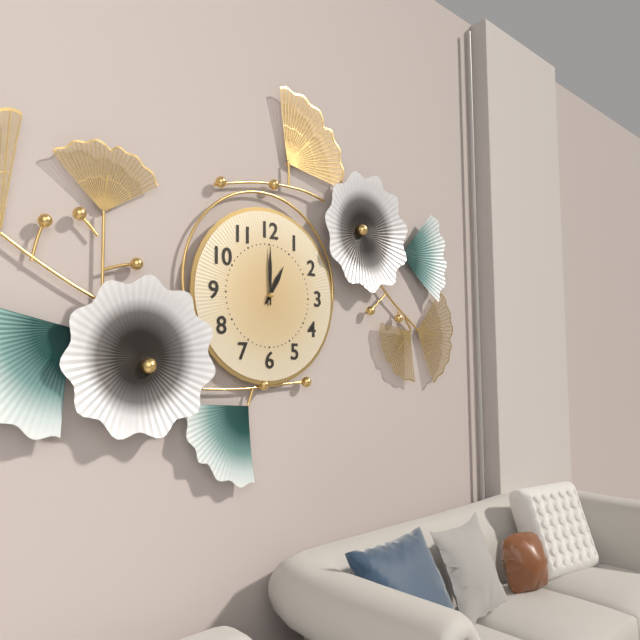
1.00
